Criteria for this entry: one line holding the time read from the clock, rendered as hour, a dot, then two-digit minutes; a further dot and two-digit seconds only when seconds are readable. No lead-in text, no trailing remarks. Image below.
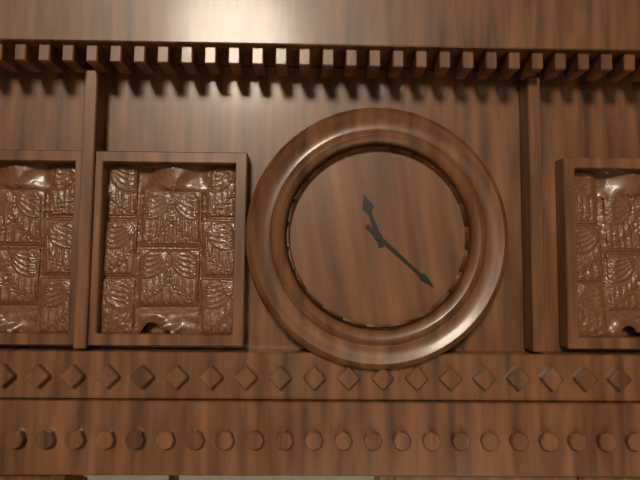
11.22
